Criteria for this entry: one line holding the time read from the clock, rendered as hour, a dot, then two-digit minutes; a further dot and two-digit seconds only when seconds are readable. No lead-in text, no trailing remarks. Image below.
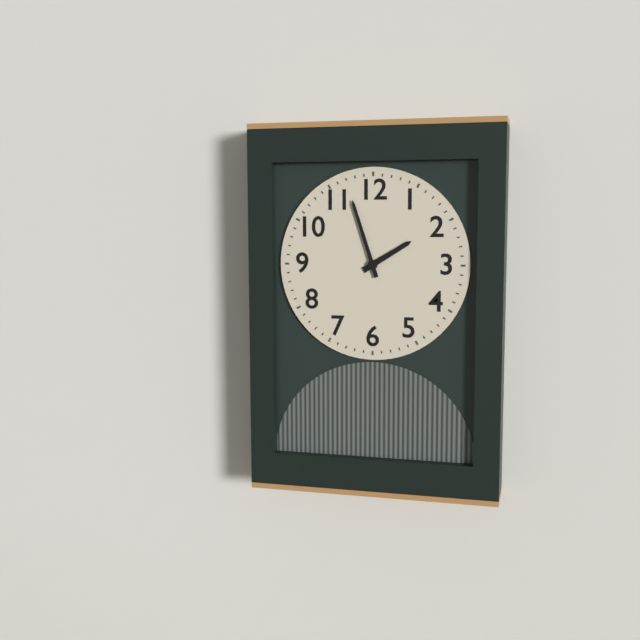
1.57
